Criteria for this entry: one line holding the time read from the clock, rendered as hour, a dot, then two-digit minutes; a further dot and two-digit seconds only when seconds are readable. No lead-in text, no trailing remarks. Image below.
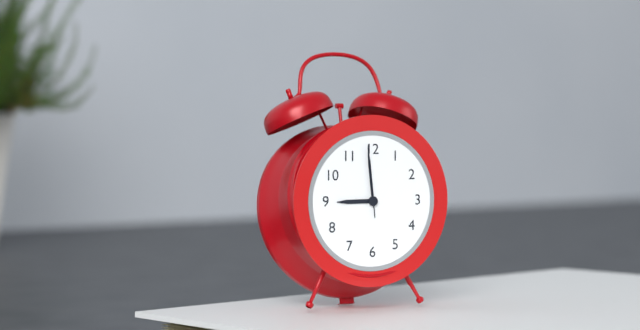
8.59.59
